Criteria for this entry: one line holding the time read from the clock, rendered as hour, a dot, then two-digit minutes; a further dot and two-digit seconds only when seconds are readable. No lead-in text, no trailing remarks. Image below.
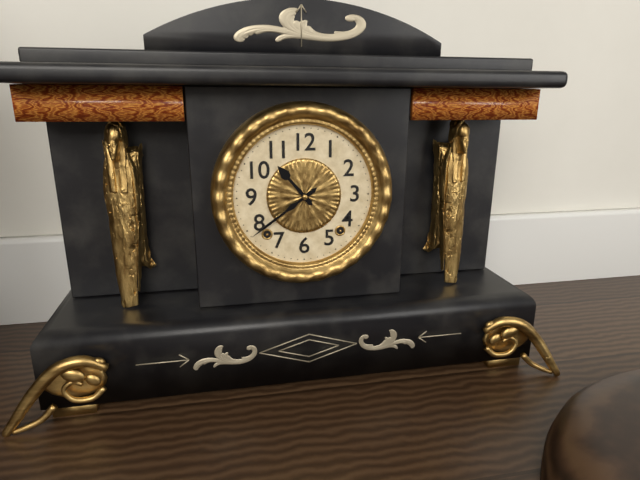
10.39
